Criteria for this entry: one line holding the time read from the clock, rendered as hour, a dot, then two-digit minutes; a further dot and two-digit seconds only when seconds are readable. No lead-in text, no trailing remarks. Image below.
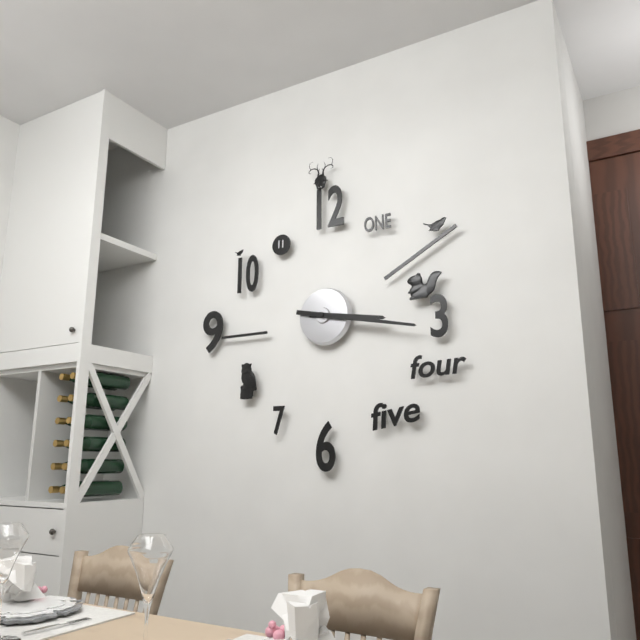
3.17
